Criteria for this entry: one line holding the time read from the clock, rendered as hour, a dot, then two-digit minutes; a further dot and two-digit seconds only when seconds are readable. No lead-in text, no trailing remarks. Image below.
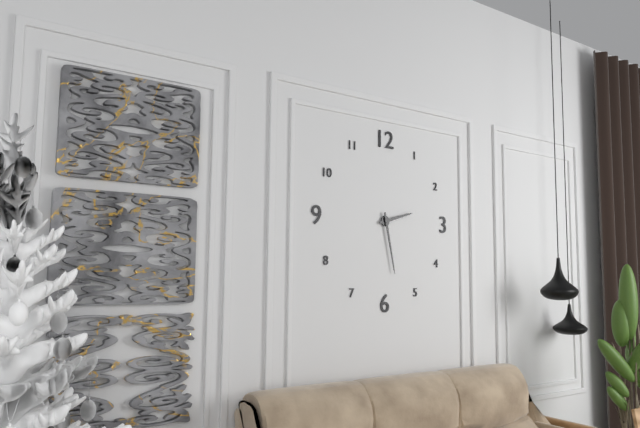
2.28
